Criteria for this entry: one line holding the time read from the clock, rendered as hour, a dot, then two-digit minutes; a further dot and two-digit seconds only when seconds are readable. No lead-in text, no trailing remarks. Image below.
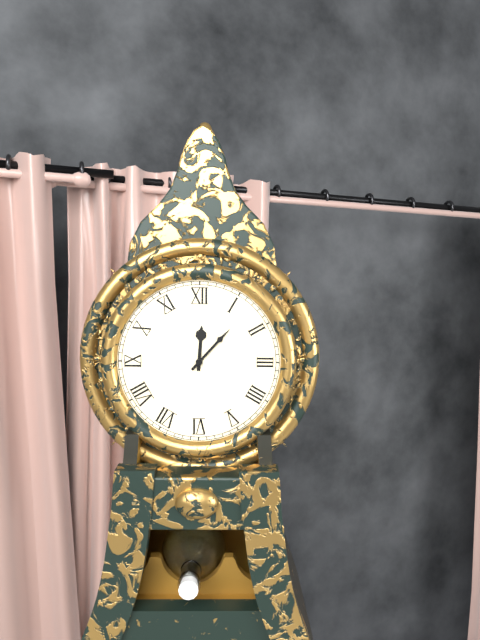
12.07
